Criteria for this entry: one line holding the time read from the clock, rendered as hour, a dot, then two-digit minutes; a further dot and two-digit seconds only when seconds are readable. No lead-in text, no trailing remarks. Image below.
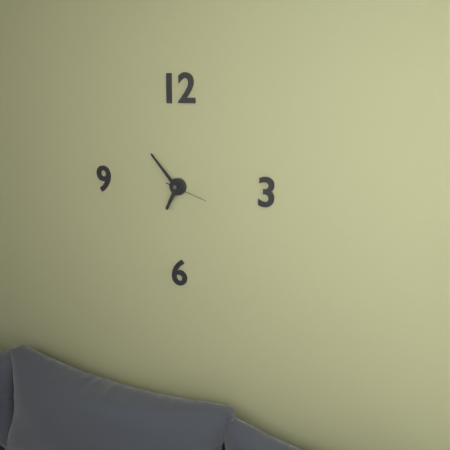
6.53
